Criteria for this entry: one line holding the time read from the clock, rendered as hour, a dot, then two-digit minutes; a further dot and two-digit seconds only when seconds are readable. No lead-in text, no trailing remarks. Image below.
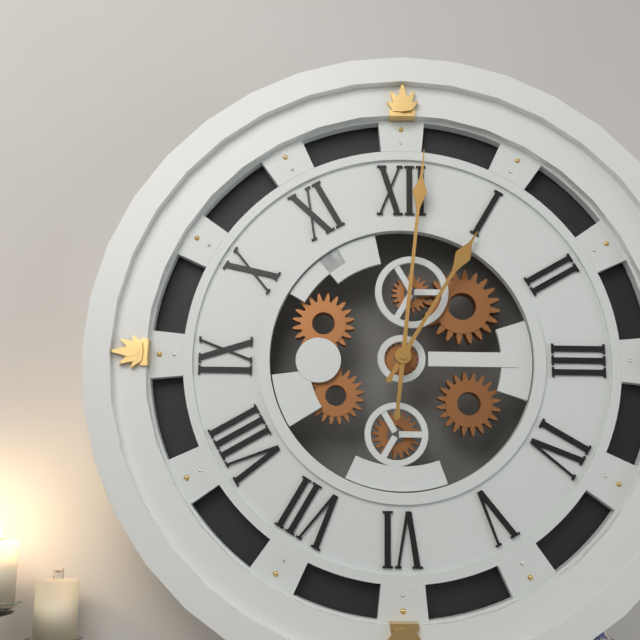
1.01
